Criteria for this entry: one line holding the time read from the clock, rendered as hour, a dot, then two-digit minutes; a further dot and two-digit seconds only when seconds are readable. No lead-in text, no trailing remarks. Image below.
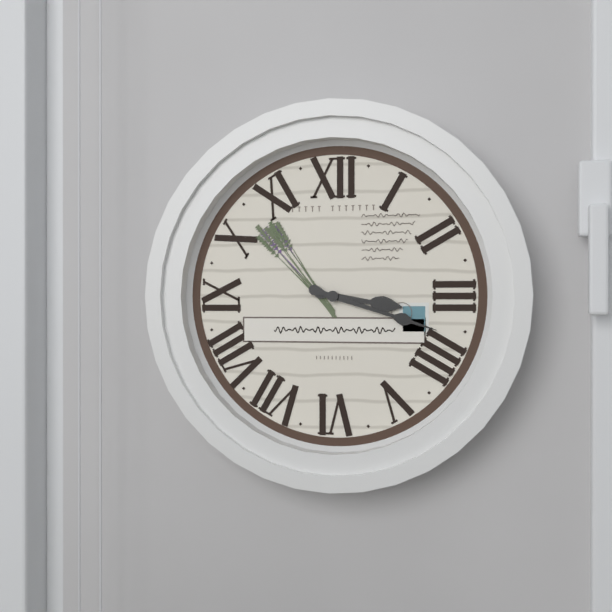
3.18
